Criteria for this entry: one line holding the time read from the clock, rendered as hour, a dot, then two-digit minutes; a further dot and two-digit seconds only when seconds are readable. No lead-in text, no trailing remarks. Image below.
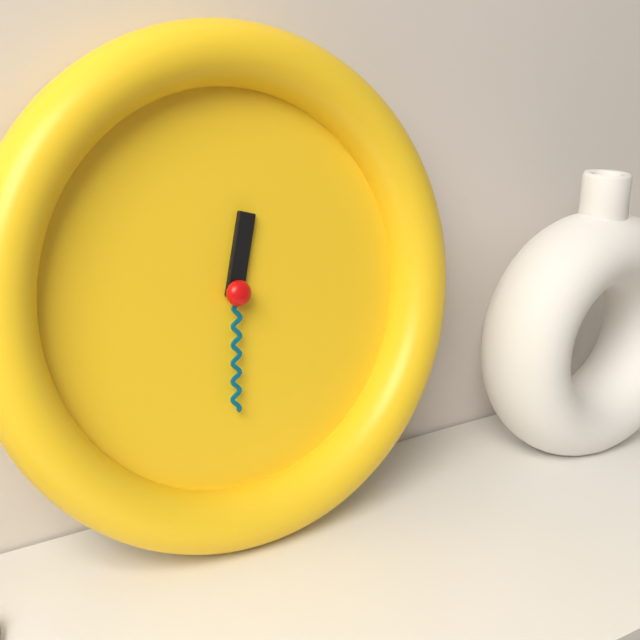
12.31
